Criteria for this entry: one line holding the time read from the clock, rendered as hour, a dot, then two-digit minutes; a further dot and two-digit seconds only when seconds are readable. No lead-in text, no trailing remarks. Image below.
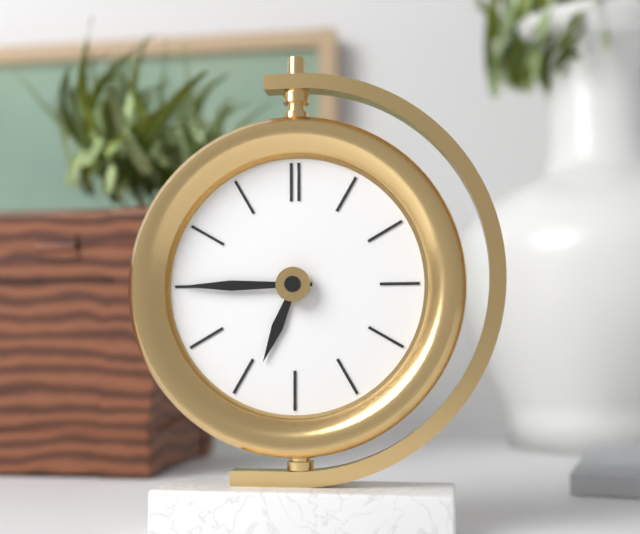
6.45
